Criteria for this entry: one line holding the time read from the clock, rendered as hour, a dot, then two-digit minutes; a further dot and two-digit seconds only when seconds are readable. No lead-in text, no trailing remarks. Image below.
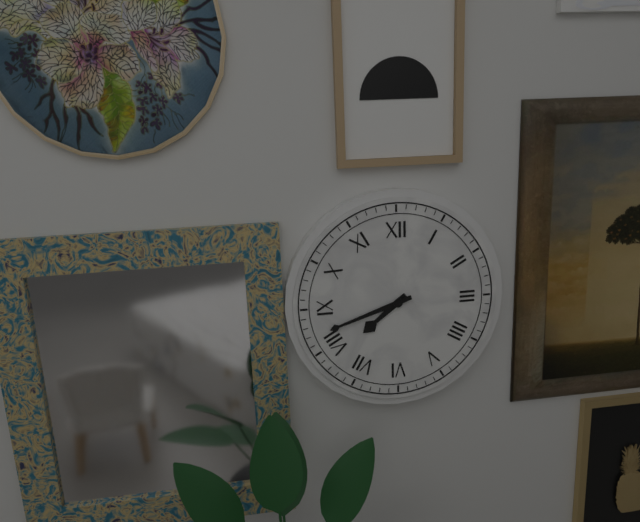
7.42
